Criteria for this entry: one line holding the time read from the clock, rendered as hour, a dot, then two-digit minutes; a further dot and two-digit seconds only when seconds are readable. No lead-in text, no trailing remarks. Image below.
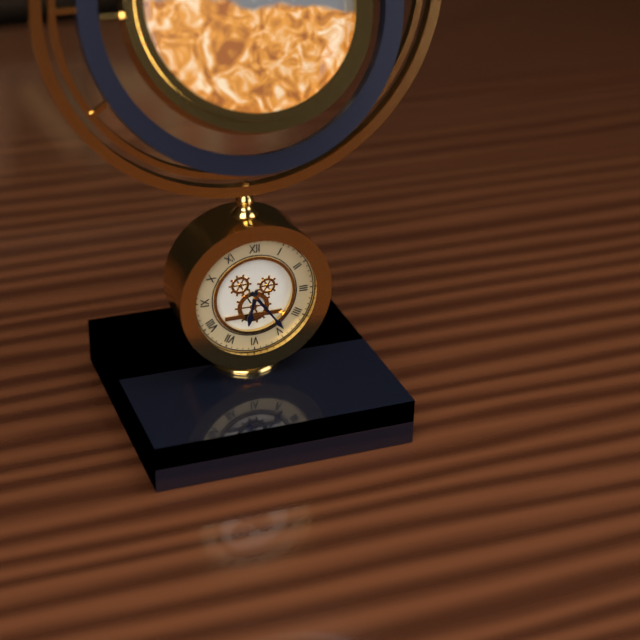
6.24
